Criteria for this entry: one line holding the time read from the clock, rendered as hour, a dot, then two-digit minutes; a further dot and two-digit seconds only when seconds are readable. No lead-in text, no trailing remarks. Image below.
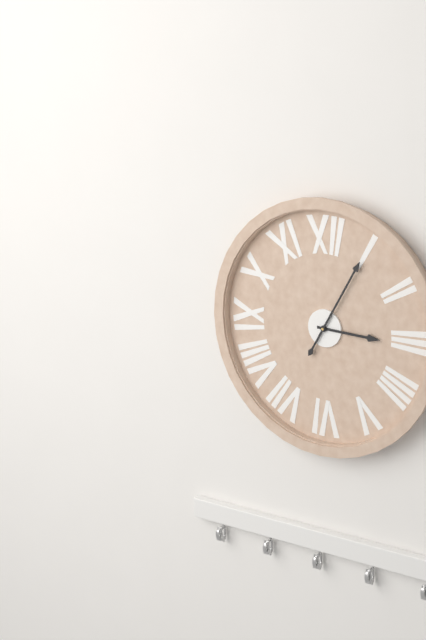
3.05
